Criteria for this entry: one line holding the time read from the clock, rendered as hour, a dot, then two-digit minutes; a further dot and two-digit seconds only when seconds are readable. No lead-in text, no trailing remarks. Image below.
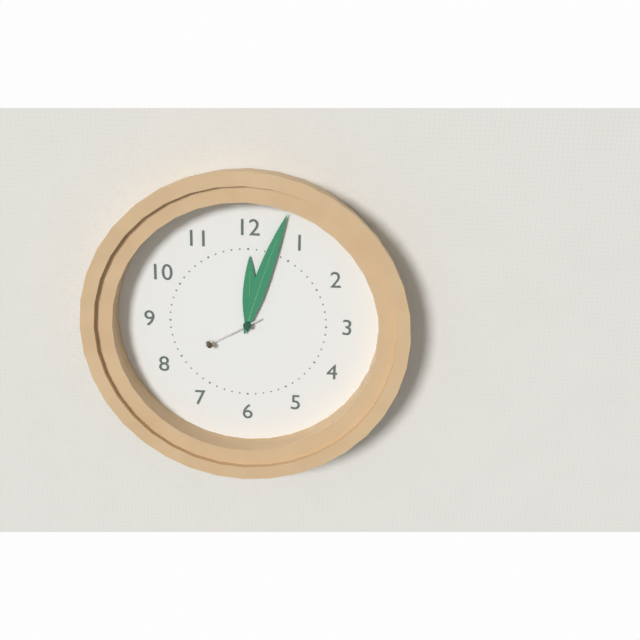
12.03.40
